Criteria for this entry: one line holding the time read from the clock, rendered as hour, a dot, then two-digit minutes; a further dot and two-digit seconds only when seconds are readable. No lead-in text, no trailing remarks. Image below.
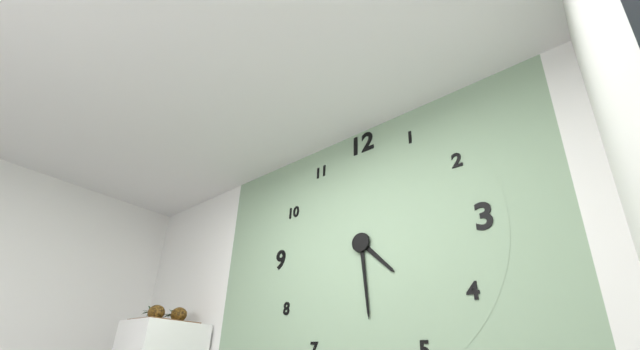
4.29
